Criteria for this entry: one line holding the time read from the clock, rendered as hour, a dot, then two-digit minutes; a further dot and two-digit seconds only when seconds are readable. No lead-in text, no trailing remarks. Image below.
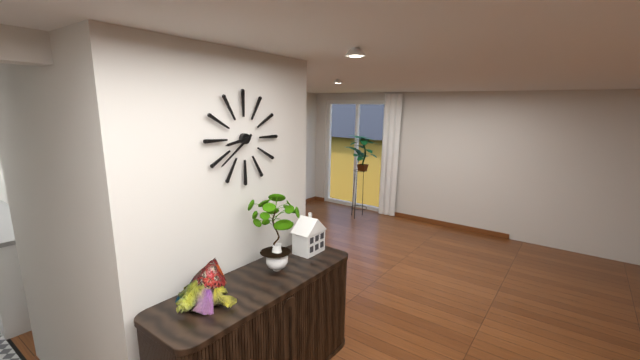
8.39
